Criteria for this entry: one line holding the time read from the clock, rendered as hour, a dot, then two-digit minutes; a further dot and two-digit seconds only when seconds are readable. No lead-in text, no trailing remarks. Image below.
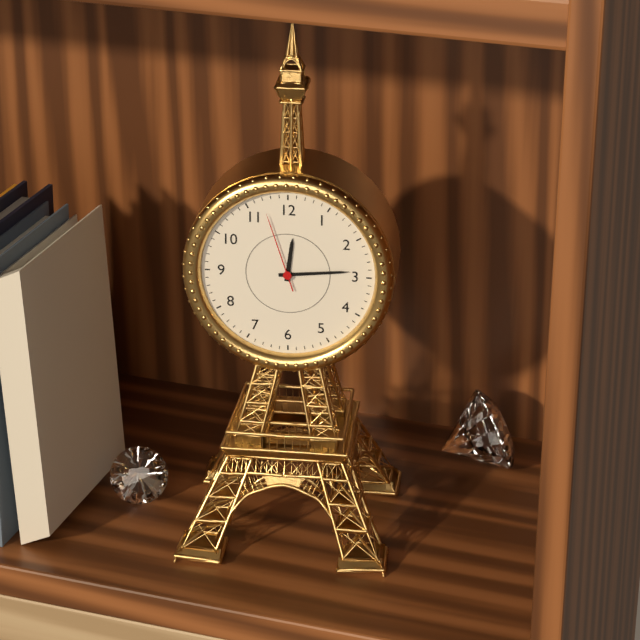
12.14.57
